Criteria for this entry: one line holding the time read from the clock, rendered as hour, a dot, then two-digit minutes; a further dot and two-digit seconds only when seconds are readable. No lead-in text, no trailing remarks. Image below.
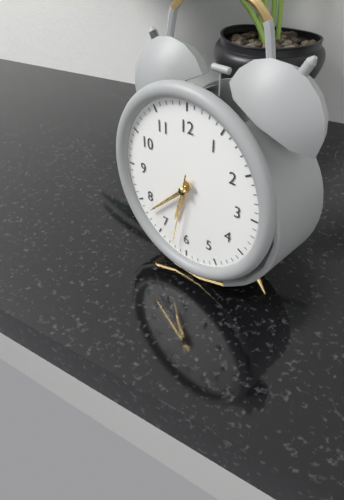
6.38.32
